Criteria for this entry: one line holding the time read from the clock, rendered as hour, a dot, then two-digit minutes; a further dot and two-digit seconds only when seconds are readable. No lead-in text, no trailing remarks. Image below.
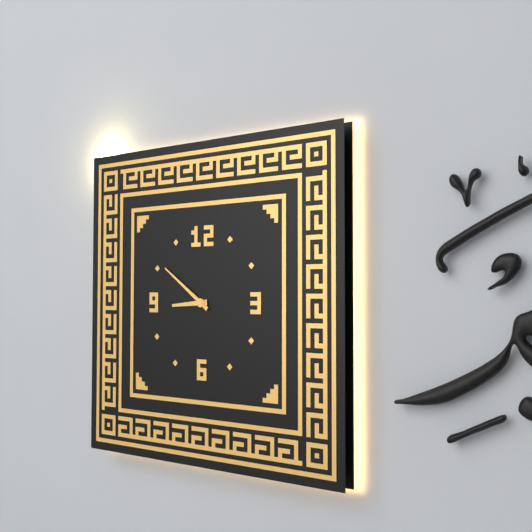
8.51
